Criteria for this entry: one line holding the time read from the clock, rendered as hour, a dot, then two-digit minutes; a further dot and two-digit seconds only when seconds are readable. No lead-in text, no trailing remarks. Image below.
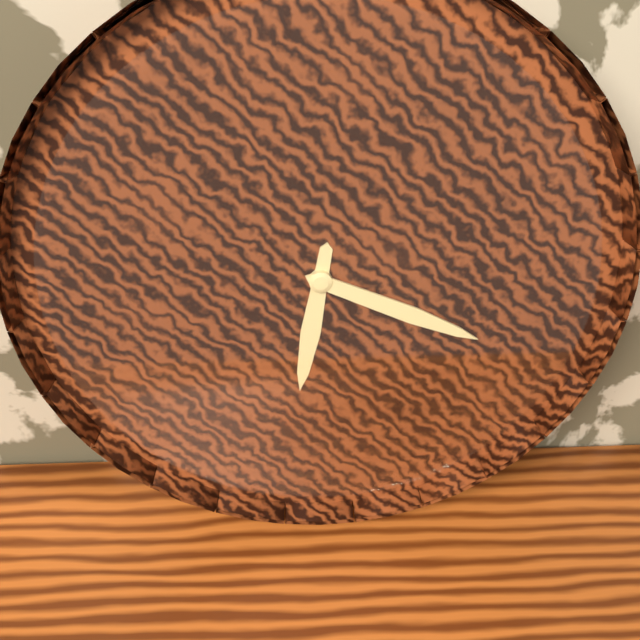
6.19
